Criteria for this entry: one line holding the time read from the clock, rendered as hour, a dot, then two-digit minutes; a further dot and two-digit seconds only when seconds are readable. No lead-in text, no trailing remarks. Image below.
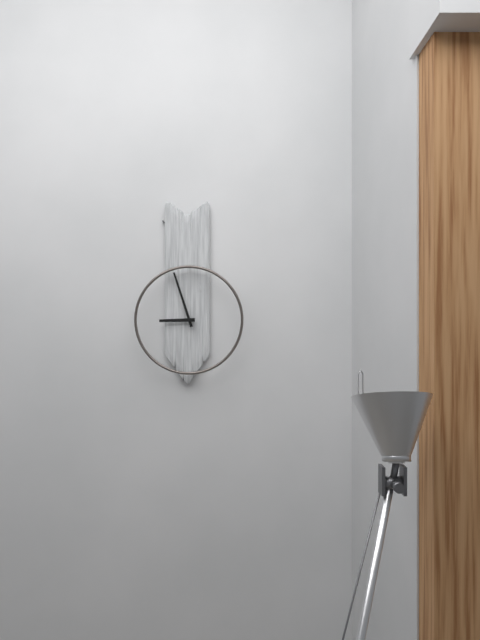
8.57
